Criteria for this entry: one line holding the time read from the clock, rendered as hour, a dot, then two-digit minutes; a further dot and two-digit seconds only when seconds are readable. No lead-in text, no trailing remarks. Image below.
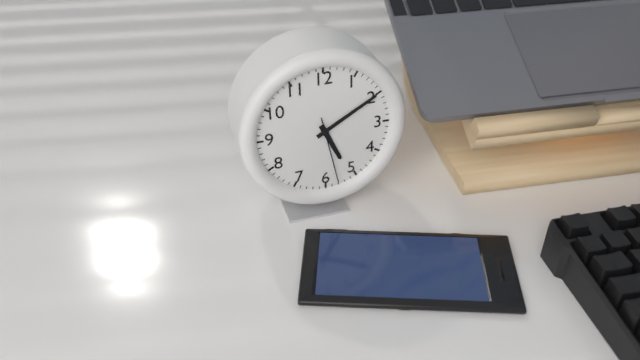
5.10.28
